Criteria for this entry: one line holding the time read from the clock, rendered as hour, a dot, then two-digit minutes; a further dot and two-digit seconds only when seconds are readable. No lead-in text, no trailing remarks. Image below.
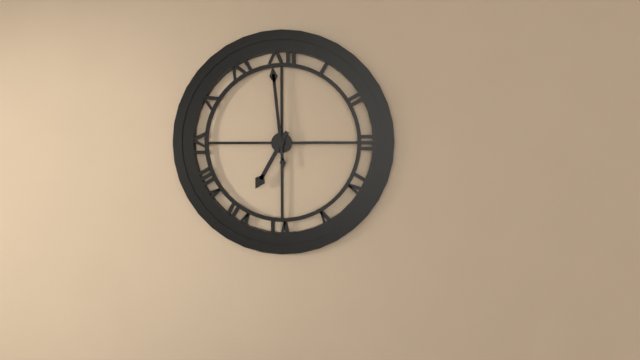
6.59
